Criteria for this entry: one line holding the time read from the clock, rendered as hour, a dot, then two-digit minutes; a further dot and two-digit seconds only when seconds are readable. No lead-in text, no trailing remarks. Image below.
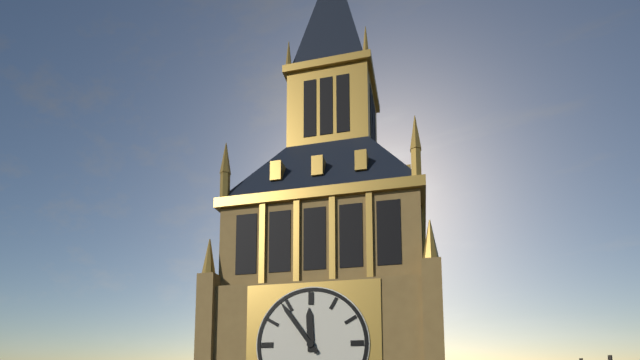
11.54
